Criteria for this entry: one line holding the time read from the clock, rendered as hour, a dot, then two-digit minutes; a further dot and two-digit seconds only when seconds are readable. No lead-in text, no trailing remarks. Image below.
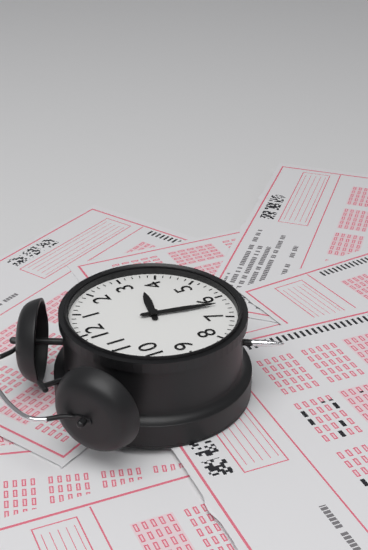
3.32
